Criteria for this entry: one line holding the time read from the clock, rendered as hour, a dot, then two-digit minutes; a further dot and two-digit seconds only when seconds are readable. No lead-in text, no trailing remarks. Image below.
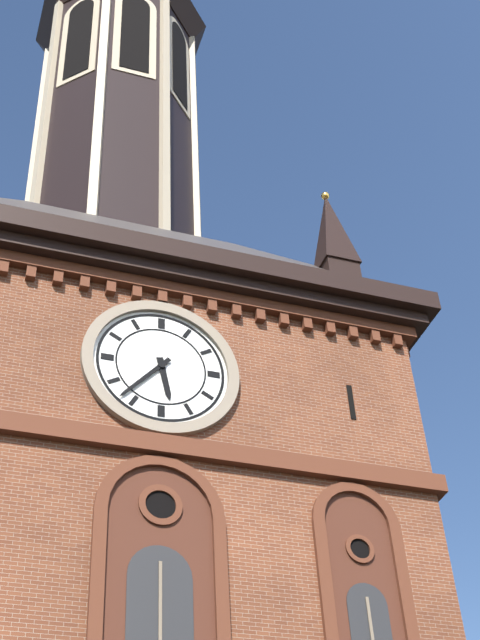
5.37
